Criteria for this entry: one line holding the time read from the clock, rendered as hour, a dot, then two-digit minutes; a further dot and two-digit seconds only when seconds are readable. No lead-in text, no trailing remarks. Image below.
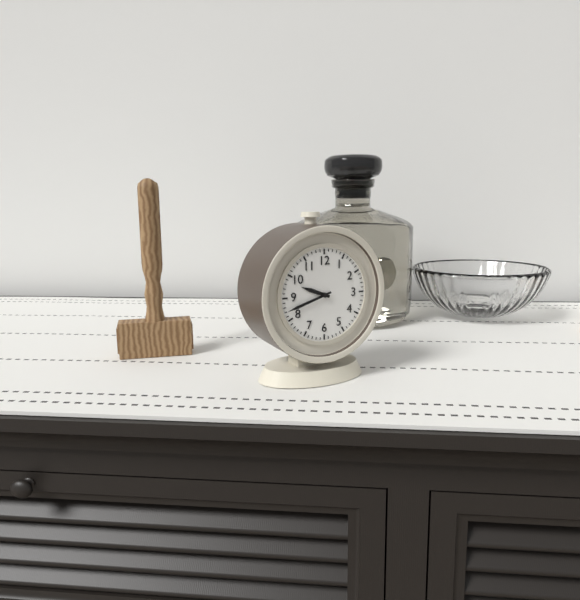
9.42
